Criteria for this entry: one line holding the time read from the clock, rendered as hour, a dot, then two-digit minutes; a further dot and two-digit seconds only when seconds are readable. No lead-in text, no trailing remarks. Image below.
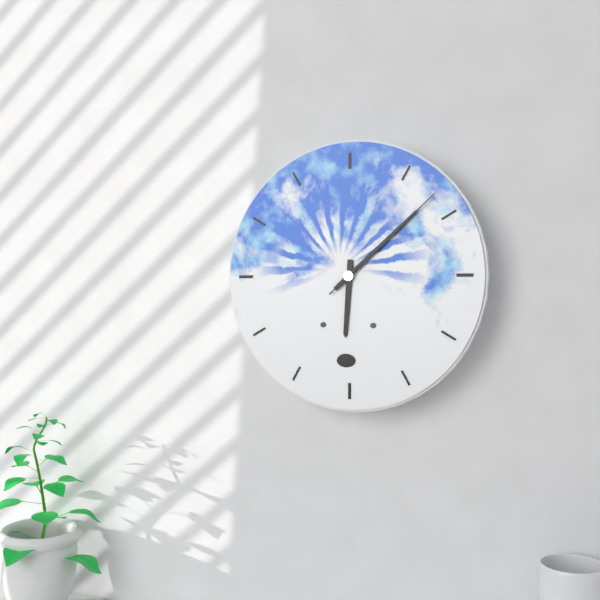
6.08.08
